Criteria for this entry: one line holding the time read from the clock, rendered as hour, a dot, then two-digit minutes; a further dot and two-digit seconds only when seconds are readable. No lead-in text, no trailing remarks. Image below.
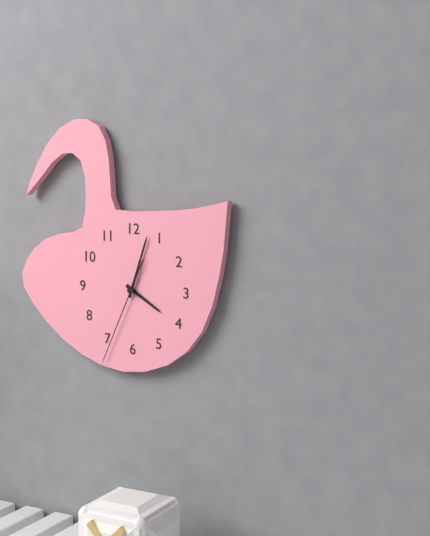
4.03.34
